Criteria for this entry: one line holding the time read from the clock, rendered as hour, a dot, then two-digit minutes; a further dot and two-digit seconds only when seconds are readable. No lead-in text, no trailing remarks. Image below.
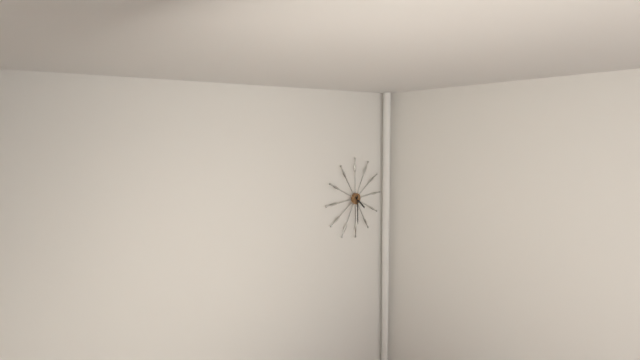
4.30
